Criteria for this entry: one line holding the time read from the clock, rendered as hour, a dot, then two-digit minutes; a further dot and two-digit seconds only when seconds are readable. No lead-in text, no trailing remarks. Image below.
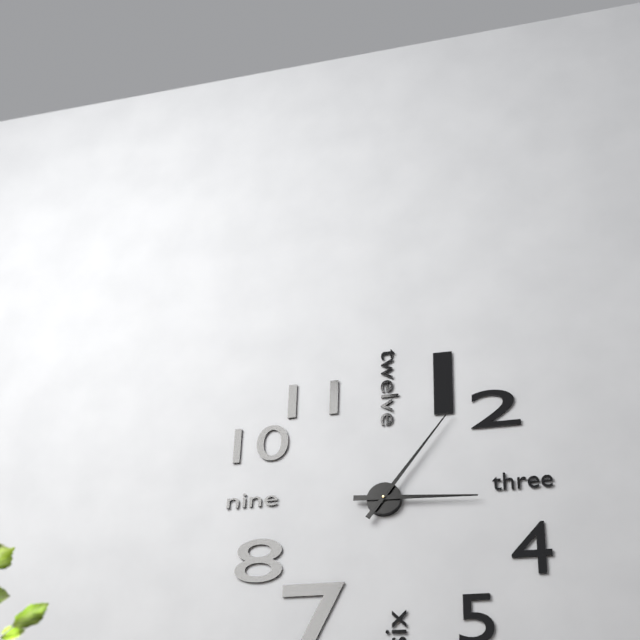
3.06
